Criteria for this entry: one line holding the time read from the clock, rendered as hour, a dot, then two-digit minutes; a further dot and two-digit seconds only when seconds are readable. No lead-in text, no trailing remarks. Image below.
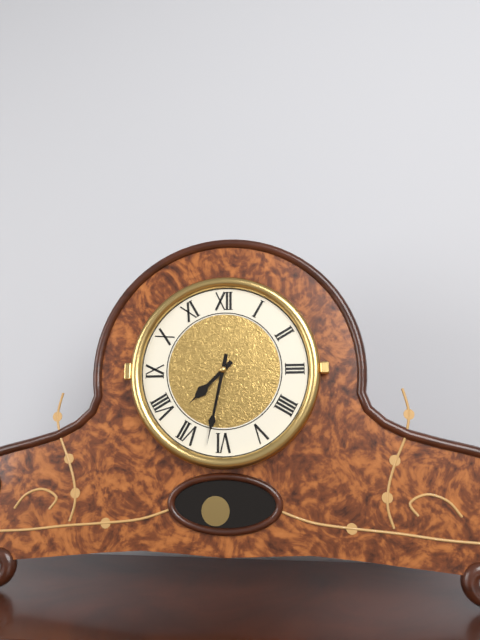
7.32
